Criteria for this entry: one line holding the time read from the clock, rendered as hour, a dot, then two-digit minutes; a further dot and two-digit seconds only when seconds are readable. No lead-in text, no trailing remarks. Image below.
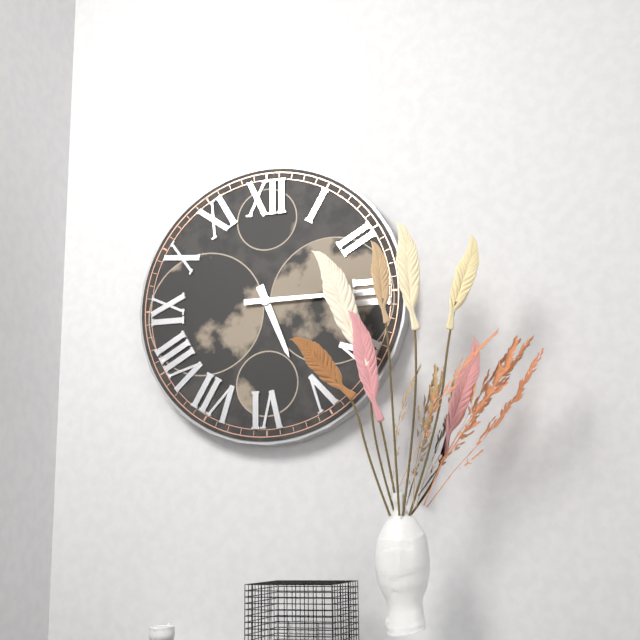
5.15
